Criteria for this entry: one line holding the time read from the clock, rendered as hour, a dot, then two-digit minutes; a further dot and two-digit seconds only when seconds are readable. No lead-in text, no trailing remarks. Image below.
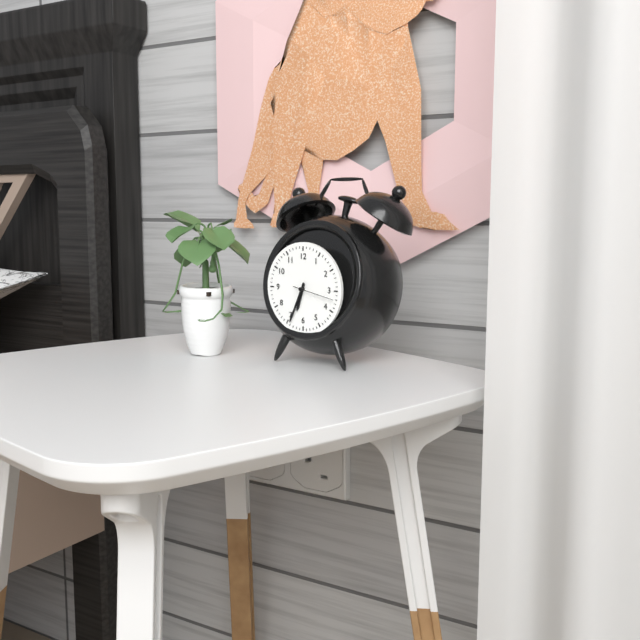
6.34
